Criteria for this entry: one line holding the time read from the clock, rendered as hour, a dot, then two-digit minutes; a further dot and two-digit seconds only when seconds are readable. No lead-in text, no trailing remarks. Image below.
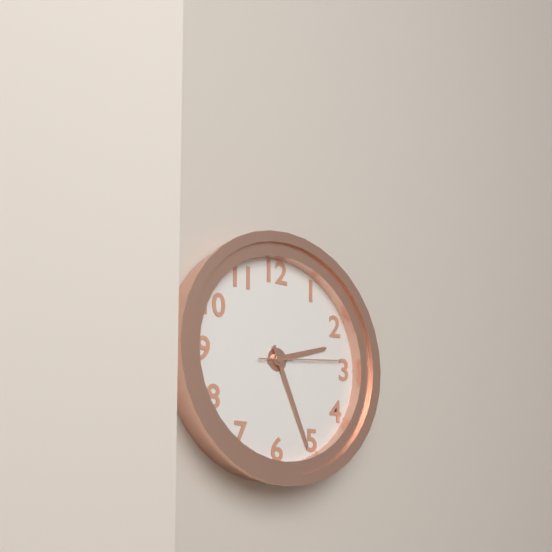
2.26.14
